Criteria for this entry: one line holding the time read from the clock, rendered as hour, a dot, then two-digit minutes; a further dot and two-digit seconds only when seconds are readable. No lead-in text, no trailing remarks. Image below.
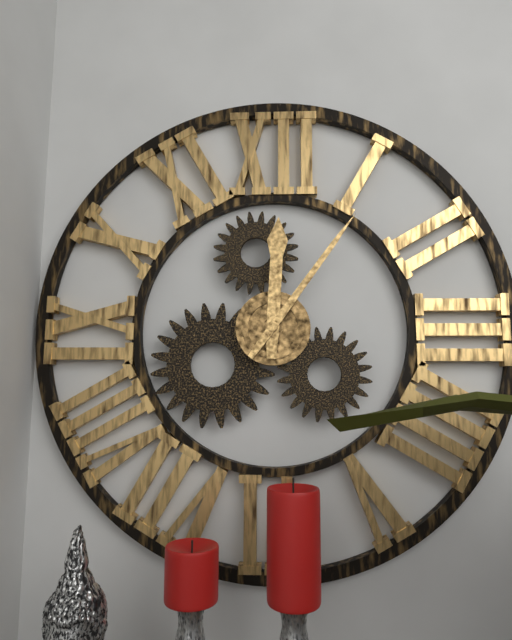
12.06
